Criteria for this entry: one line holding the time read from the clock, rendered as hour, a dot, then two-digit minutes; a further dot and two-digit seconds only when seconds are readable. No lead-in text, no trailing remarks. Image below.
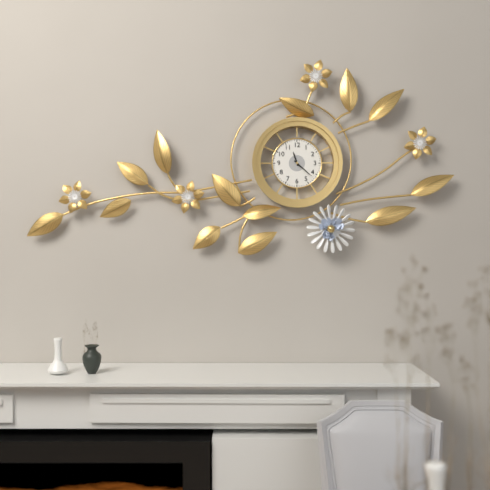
11.22
